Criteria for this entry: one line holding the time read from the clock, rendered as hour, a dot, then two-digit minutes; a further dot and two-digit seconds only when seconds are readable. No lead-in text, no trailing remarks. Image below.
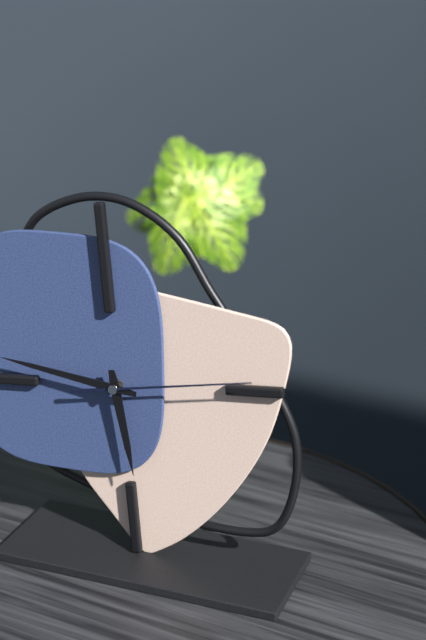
5.47.14
